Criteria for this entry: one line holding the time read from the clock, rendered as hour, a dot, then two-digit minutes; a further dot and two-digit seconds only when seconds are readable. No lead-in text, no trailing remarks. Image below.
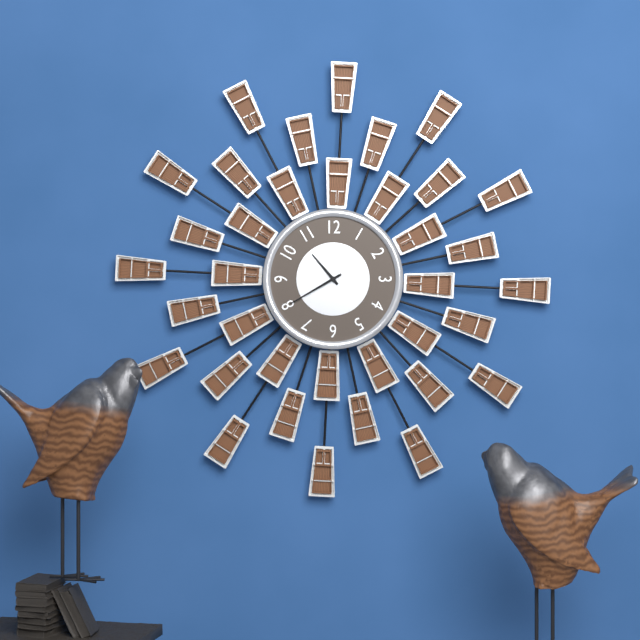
10.40
